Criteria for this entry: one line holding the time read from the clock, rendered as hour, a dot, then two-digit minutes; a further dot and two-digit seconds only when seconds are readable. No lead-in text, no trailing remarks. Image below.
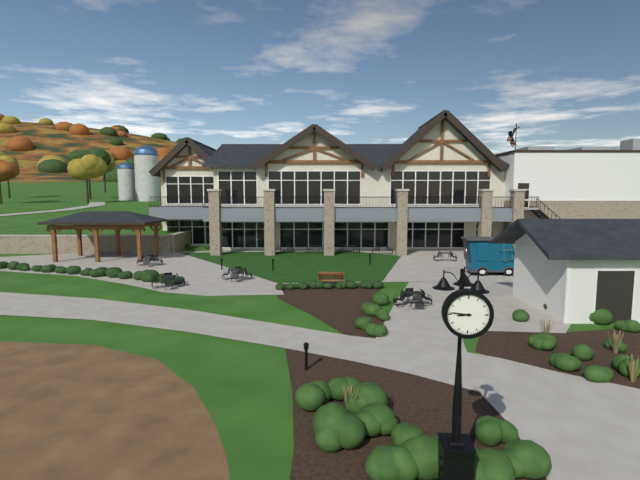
8.46
